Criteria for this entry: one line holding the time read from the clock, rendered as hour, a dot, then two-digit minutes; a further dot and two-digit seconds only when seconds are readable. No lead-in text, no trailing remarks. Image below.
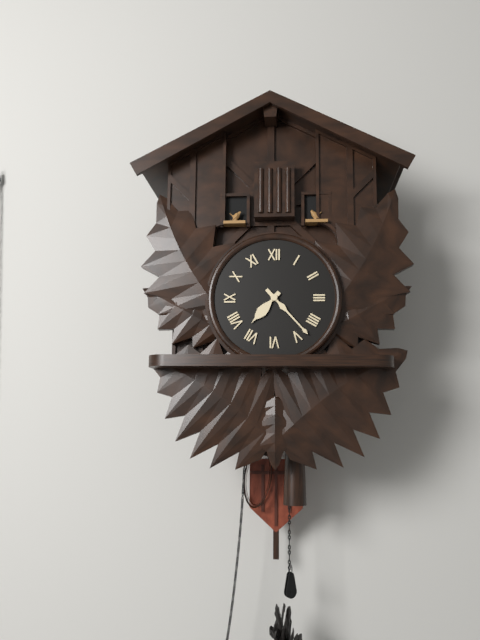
7.23
